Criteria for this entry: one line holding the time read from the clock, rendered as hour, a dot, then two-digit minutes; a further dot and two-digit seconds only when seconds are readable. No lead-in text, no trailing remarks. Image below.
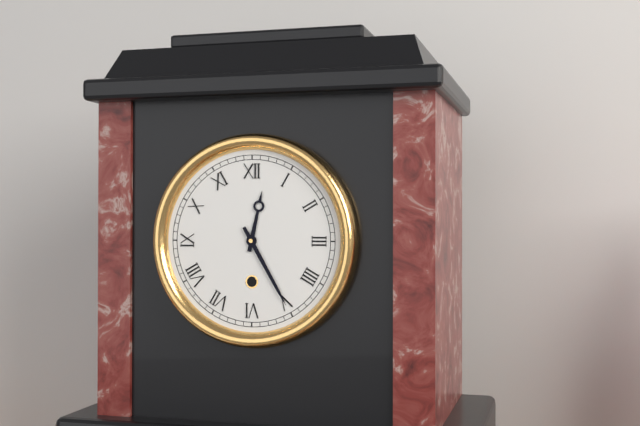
12.25
